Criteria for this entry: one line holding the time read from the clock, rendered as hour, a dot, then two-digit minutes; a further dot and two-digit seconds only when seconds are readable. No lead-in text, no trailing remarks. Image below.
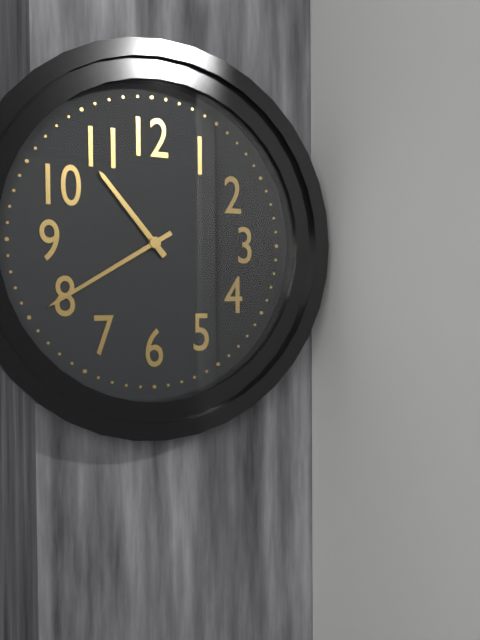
10.40
